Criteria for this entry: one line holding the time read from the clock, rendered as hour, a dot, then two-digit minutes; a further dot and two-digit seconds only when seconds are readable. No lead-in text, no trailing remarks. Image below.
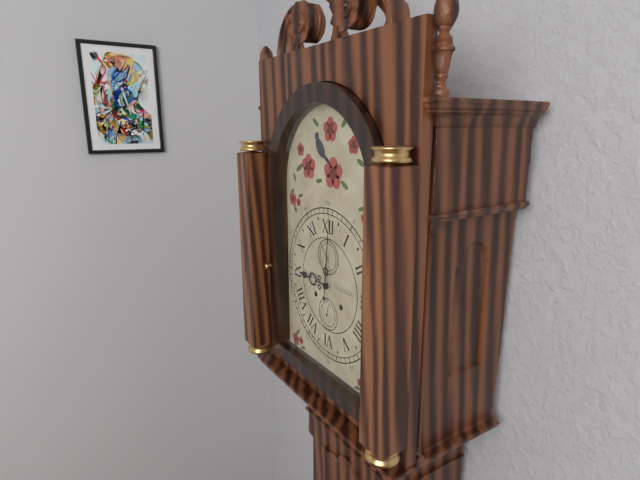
9.01
